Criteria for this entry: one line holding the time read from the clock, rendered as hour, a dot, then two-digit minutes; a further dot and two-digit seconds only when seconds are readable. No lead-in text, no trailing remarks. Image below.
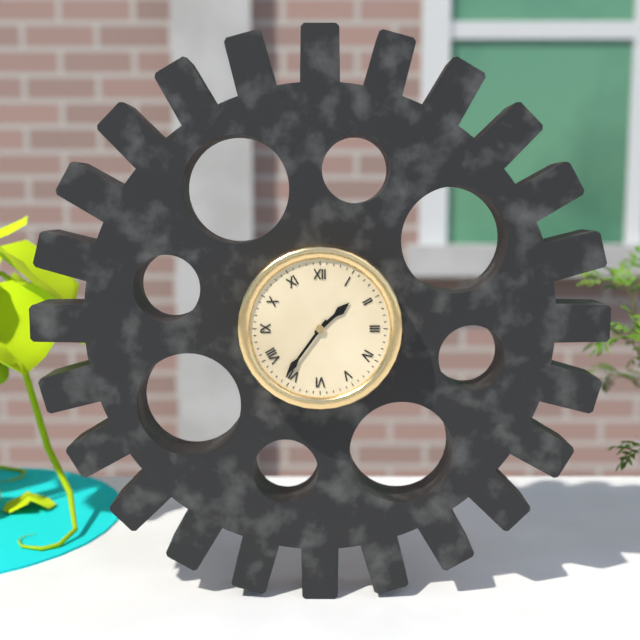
1.36
